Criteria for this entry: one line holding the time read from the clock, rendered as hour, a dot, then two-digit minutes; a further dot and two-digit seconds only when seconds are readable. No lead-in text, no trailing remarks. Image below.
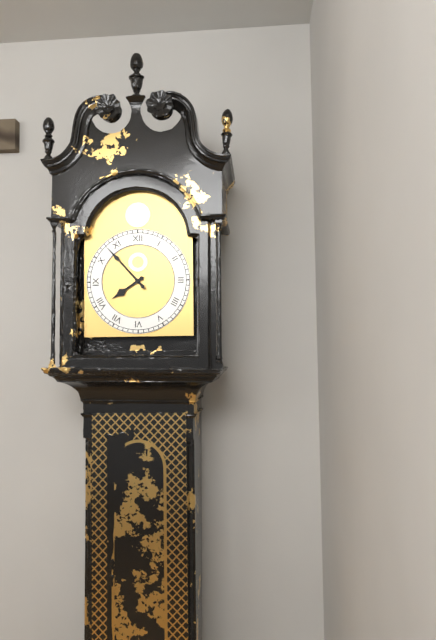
7.53
